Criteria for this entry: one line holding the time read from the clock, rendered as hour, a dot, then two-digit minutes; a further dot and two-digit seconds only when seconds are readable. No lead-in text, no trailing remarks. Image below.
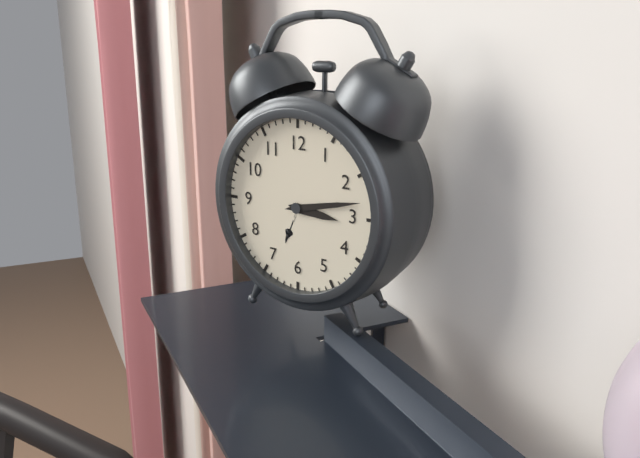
3.13
